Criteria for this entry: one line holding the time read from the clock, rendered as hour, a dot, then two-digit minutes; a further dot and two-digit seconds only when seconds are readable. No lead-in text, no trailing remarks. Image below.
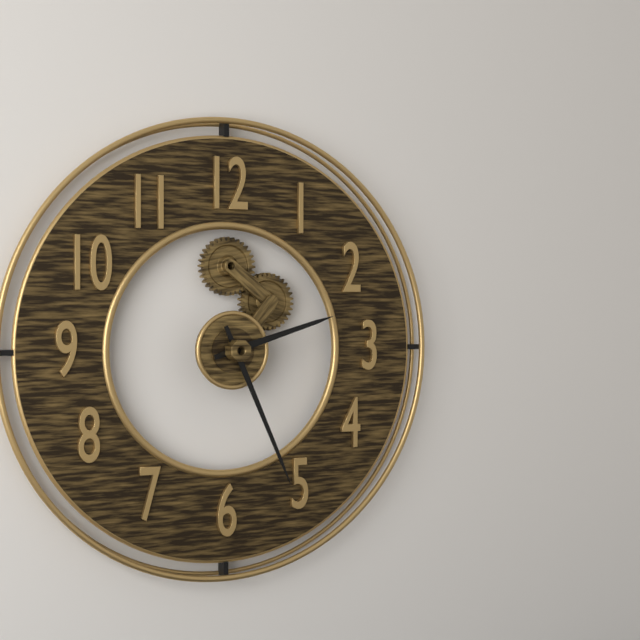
2.26
